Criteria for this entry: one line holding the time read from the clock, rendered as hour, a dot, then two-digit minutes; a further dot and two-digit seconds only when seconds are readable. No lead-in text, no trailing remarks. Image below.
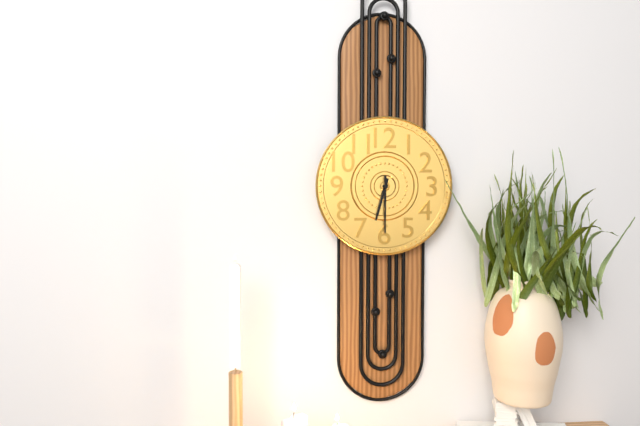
6.30
